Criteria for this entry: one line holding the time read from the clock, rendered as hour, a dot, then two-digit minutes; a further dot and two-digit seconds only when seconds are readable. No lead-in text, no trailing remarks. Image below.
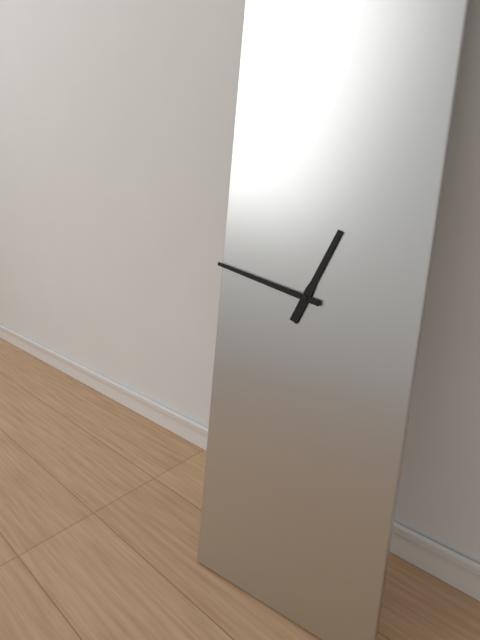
12.47
